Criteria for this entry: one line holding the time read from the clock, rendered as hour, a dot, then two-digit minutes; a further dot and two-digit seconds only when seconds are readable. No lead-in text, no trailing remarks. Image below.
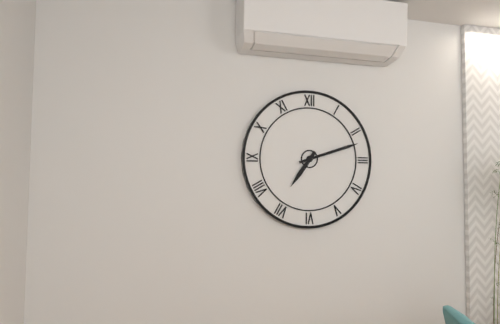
7.12
